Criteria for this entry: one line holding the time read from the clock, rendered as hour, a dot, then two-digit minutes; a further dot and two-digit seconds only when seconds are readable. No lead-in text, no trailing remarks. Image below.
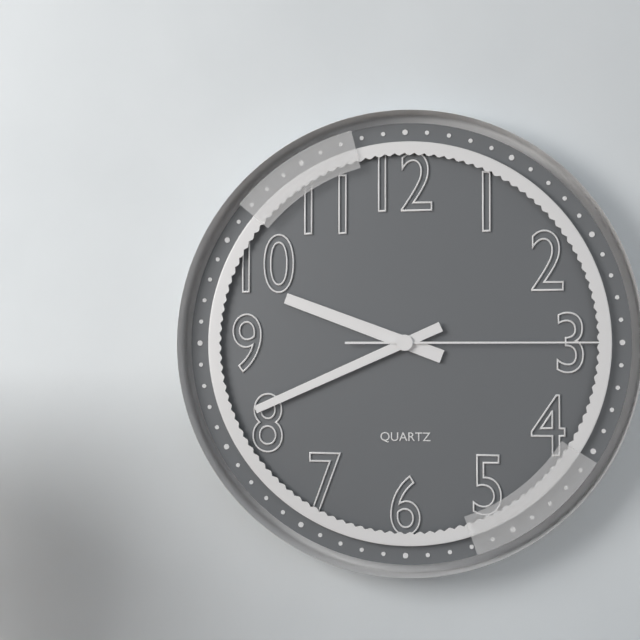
9.41.15
